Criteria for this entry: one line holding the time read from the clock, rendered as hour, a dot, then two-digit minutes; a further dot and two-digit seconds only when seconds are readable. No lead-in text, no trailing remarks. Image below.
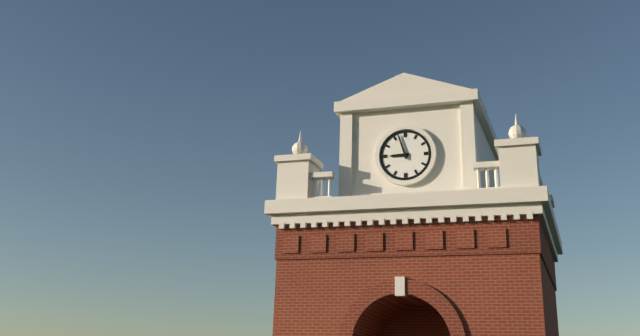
8.57
